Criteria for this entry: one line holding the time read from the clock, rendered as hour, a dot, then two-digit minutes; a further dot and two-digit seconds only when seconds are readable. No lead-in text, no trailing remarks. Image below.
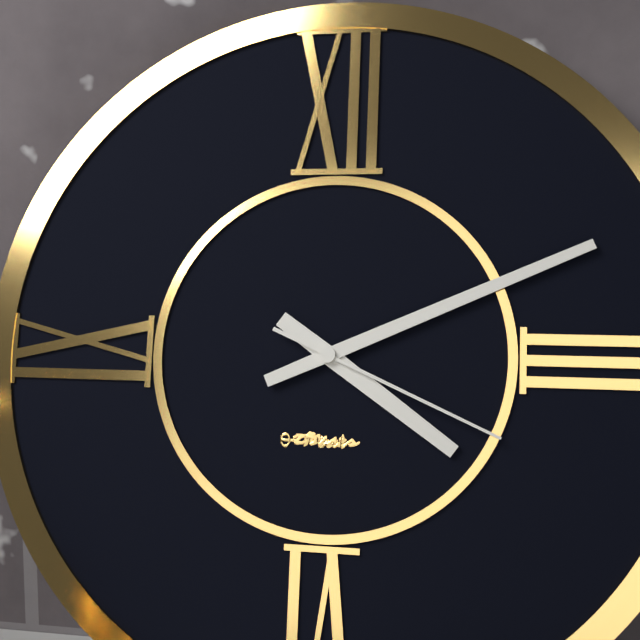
4.11.19
